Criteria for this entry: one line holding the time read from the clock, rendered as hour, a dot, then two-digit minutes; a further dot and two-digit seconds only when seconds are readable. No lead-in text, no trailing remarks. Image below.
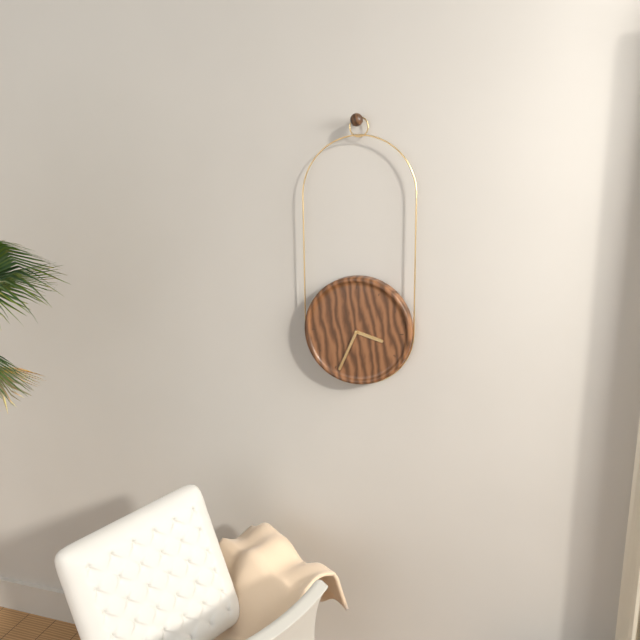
3.34
